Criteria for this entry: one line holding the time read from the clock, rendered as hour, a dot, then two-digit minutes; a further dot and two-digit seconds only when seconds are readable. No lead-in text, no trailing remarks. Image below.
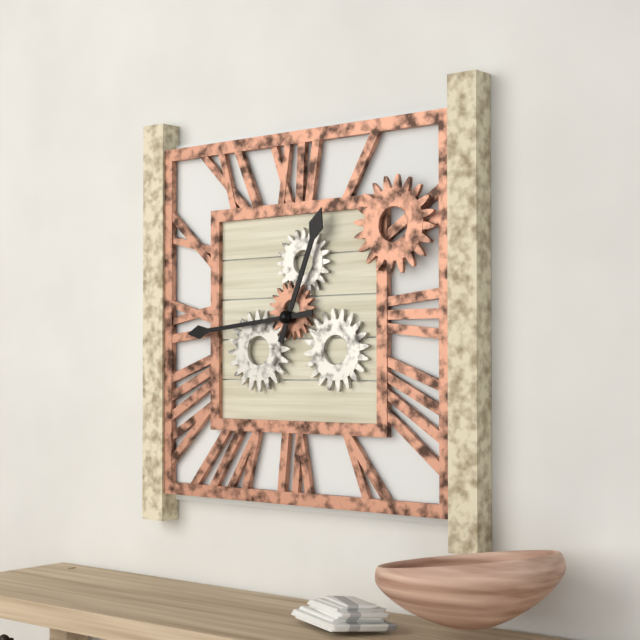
12.44
